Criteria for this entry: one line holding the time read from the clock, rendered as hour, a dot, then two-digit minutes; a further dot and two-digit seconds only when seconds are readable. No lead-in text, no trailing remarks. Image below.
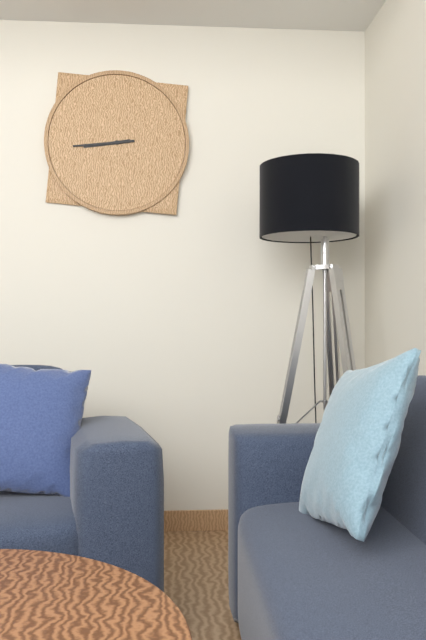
8.44
